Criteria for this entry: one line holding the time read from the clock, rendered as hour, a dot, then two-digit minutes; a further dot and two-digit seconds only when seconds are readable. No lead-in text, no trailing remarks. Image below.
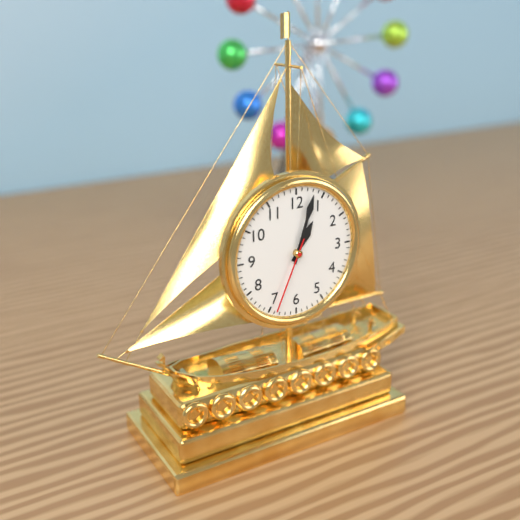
1.03.34
